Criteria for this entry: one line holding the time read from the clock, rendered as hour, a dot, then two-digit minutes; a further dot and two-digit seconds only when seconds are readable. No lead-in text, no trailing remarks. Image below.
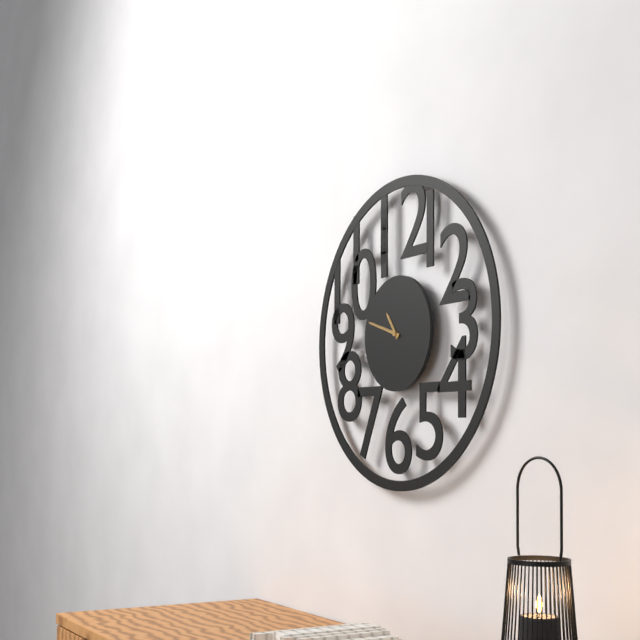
10.48
